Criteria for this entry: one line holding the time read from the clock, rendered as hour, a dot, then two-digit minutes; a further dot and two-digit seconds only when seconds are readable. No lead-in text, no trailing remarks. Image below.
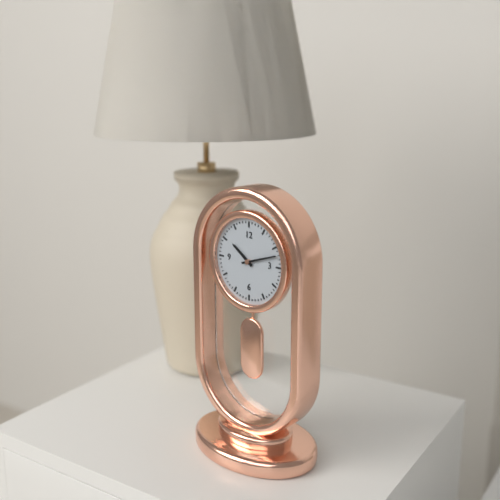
10.12
